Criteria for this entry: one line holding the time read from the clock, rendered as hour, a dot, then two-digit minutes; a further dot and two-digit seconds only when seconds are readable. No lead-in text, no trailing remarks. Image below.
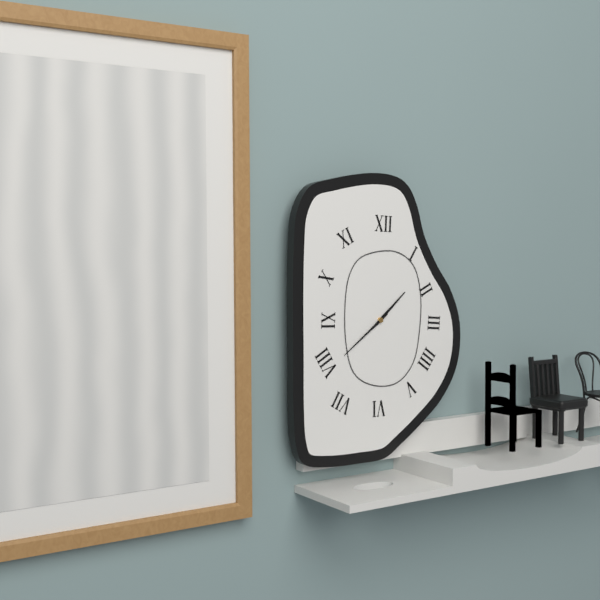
1.39
